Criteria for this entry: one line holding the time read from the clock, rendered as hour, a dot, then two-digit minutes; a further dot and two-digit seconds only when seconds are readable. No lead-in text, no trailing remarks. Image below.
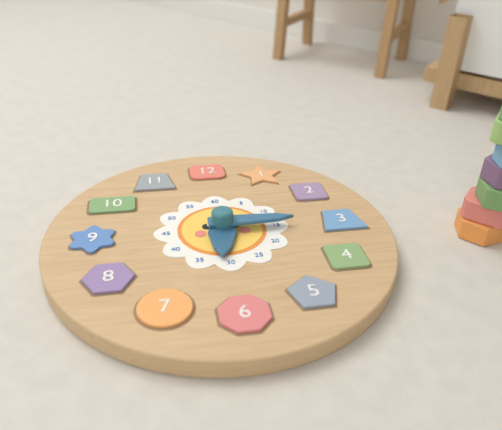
6.15
